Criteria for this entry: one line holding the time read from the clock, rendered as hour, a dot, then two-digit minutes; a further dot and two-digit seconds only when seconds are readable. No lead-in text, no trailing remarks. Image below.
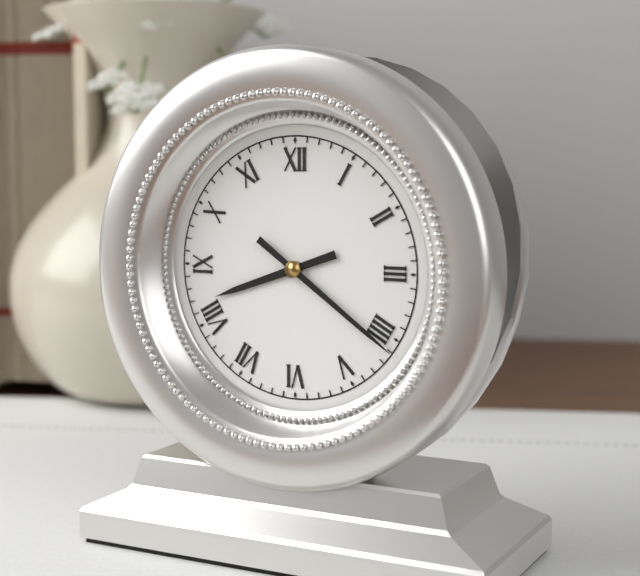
8.21
